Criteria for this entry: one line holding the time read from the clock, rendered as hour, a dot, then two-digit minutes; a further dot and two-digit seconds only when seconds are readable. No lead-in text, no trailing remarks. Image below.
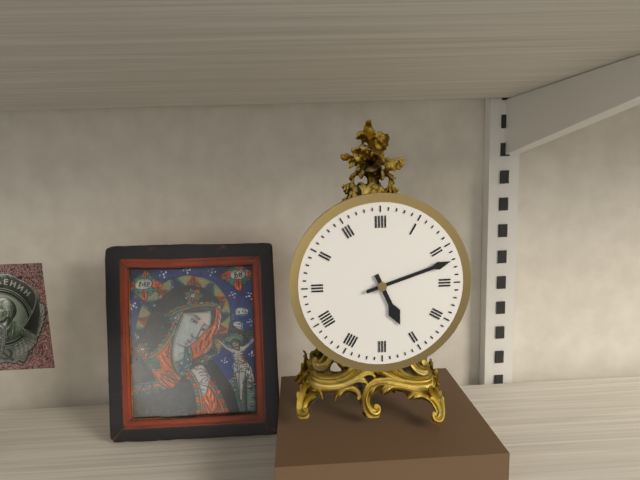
5.12
